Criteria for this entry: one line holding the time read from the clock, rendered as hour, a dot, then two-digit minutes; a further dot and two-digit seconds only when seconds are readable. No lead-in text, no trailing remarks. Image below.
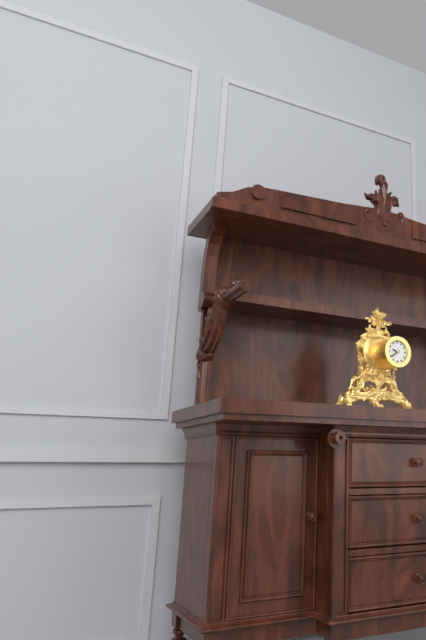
9.39
